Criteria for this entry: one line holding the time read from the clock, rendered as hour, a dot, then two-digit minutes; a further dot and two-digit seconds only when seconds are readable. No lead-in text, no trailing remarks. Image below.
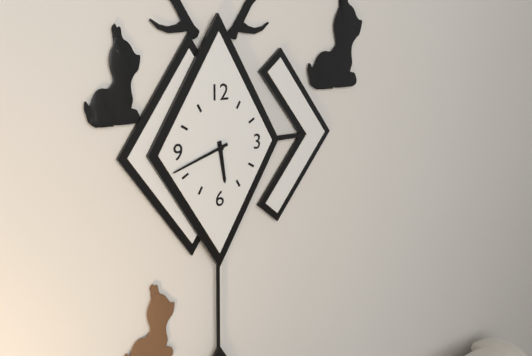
5.42
